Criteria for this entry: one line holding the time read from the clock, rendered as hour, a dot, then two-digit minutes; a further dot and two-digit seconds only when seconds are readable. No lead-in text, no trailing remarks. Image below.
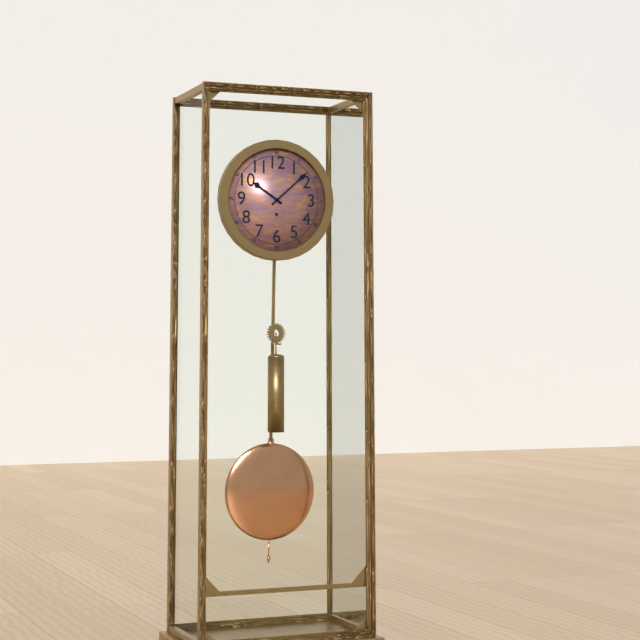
10.08
